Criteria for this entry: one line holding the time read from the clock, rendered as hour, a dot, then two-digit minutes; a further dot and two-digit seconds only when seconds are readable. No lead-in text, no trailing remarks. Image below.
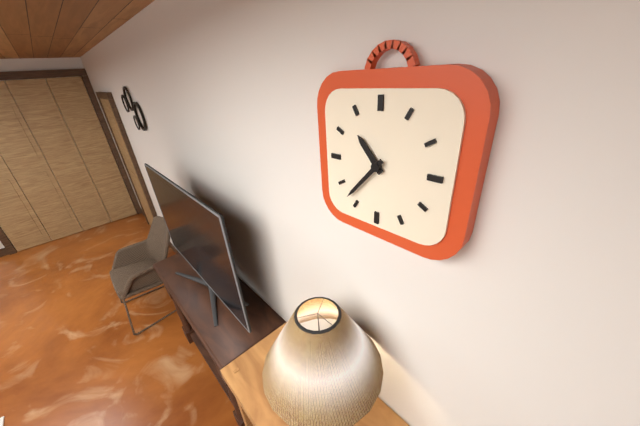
10.37
